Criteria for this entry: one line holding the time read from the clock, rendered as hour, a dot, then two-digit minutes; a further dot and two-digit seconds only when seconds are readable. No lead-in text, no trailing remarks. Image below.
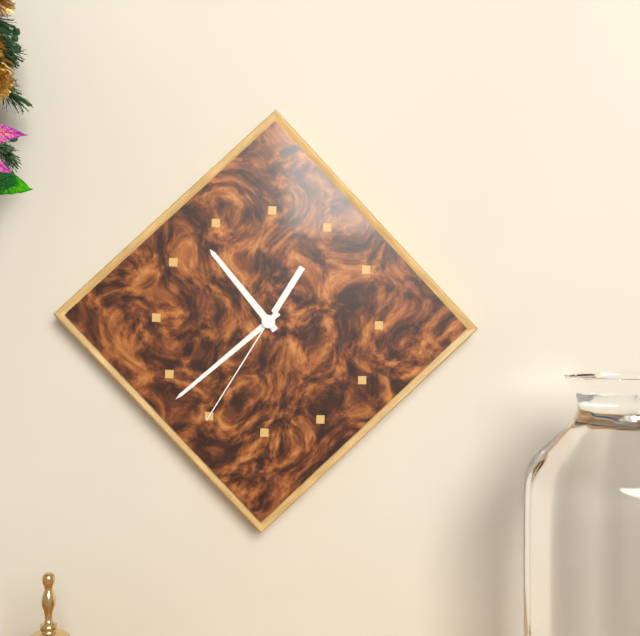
10.38.35
